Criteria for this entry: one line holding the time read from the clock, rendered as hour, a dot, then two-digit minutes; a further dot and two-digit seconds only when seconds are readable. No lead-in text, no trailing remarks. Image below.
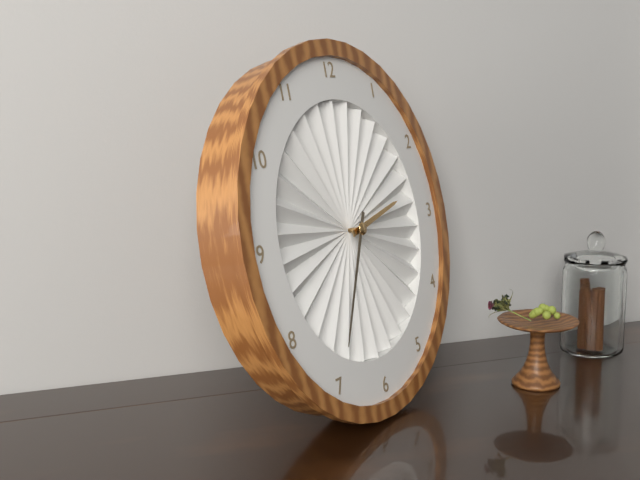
2.35
